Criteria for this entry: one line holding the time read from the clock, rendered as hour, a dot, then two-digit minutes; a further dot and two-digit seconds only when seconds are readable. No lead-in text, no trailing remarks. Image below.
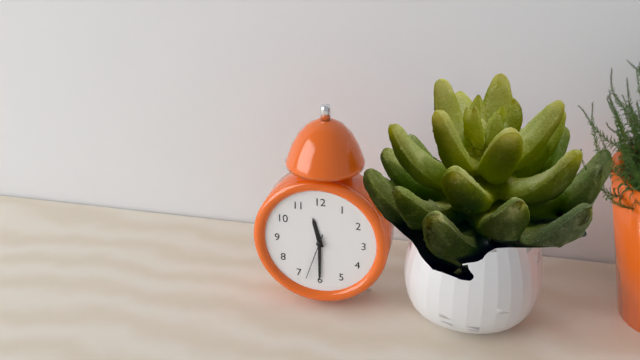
11.30
